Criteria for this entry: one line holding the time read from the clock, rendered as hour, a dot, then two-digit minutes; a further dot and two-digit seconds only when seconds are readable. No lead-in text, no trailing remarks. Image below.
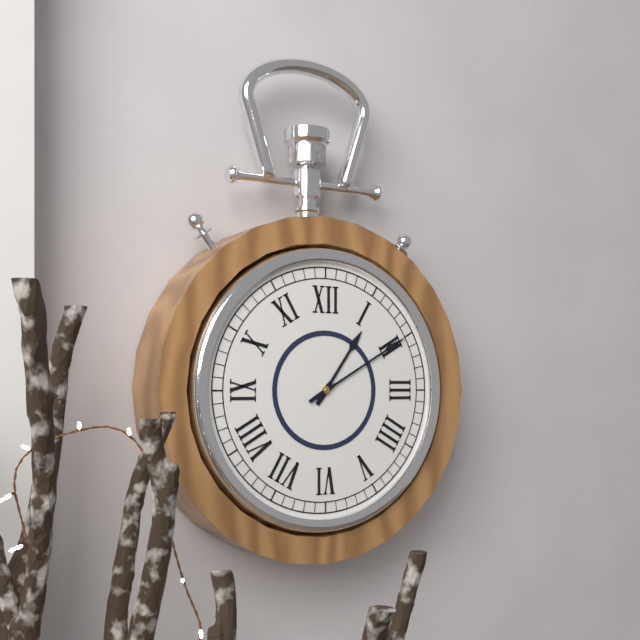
1.10
